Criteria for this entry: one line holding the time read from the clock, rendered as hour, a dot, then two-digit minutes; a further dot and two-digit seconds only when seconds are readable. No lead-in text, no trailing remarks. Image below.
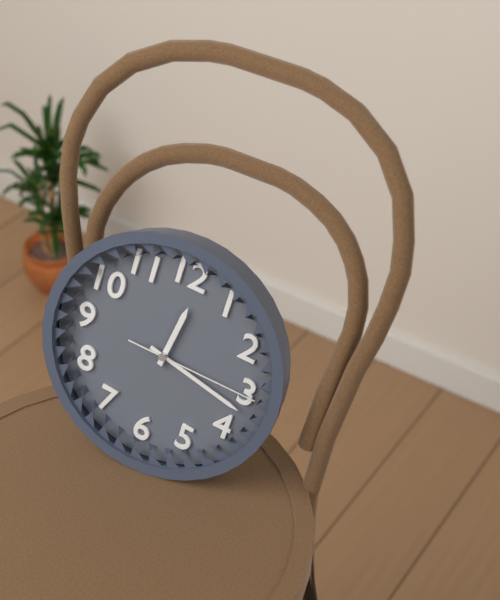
12.17.15
